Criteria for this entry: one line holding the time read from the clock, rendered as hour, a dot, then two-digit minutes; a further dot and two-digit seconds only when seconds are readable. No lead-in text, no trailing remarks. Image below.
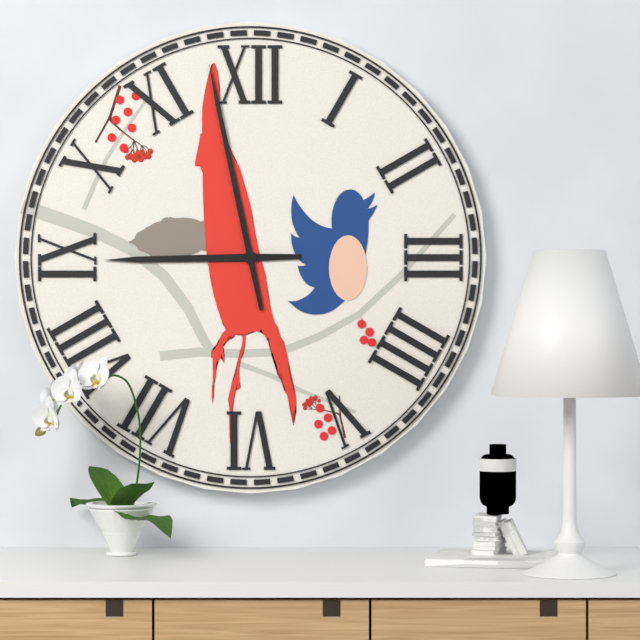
8.58
